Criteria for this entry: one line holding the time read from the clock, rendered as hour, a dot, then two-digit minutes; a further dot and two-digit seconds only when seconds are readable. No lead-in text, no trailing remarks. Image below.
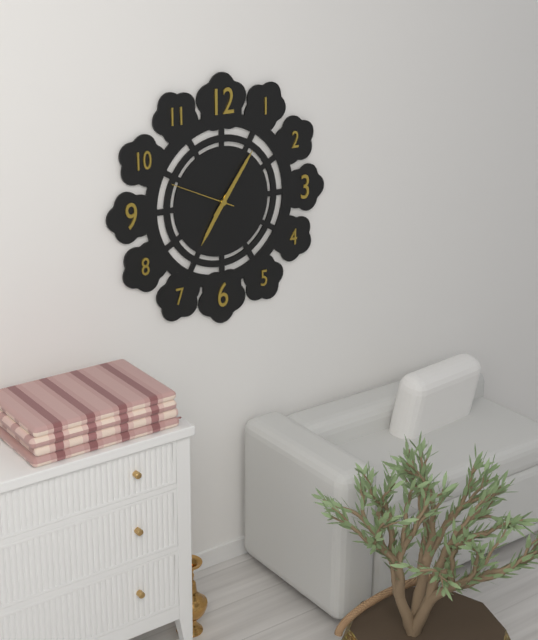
7.06.49
